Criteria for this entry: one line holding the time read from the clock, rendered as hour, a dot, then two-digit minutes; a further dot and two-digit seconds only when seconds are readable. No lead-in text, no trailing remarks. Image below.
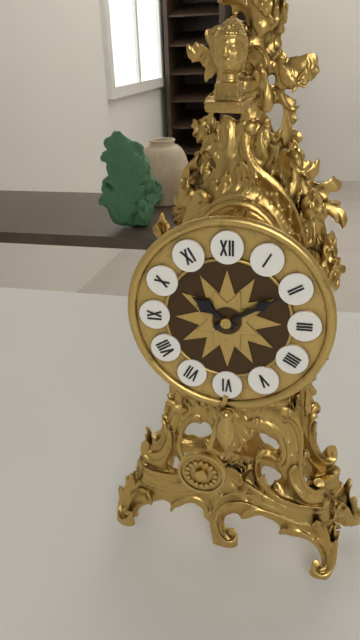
10.10
